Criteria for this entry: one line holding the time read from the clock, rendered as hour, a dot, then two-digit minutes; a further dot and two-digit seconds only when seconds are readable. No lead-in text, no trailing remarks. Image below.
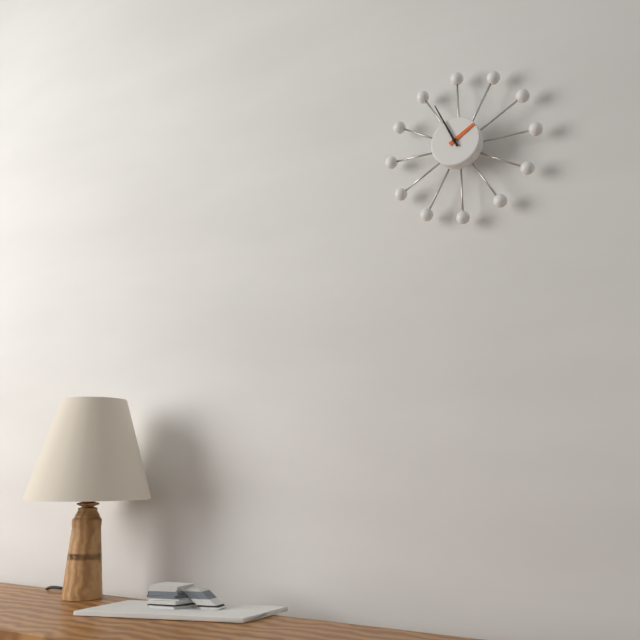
1.56
